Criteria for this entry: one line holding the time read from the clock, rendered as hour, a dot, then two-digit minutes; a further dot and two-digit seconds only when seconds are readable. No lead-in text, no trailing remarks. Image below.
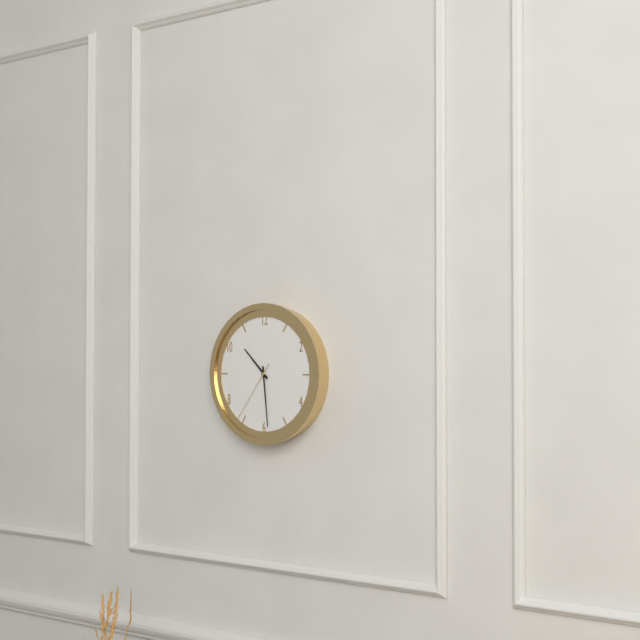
10.29.36
